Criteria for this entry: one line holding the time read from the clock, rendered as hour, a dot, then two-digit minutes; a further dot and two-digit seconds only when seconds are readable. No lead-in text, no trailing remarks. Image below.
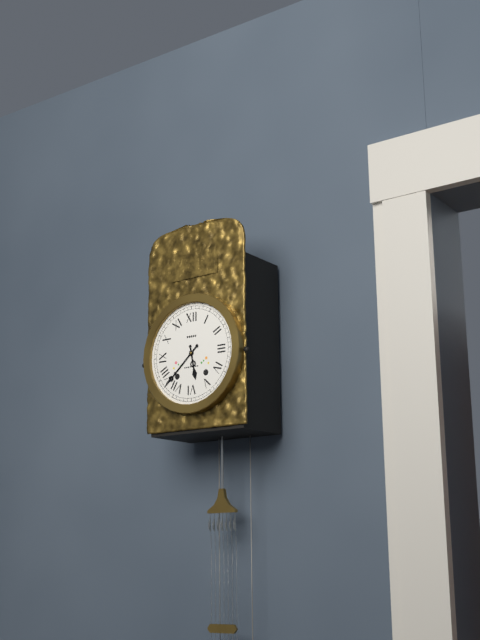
5.38
